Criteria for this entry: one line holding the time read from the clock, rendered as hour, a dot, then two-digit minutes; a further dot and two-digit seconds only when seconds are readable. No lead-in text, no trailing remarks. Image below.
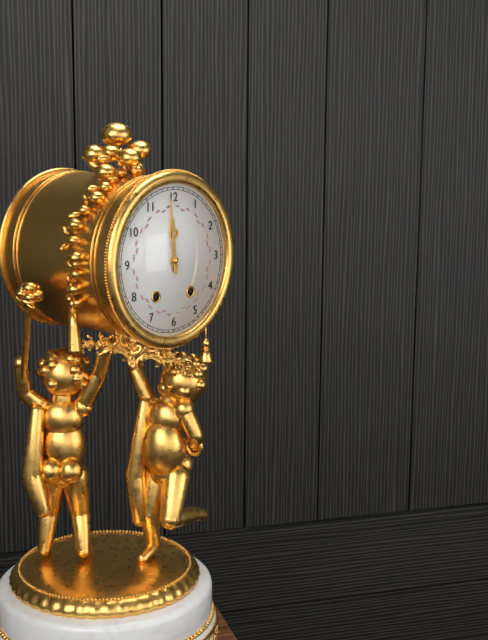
11.59
